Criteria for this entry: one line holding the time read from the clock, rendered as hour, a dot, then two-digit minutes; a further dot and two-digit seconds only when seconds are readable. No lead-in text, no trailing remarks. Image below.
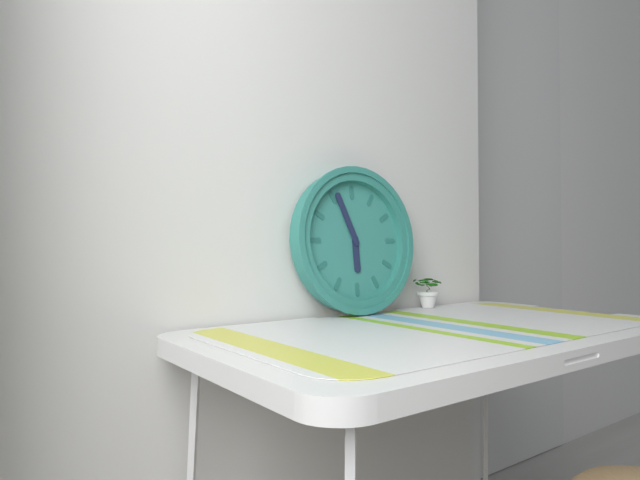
5.56
